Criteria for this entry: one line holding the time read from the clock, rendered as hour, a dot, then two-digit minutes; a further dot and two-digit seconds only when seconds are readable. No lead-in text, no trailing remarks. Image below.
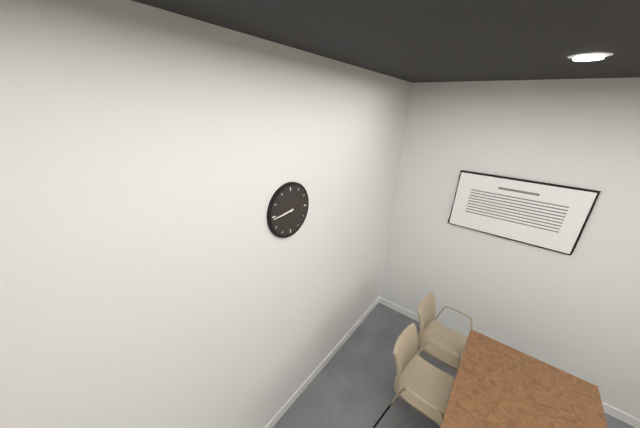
8.44
